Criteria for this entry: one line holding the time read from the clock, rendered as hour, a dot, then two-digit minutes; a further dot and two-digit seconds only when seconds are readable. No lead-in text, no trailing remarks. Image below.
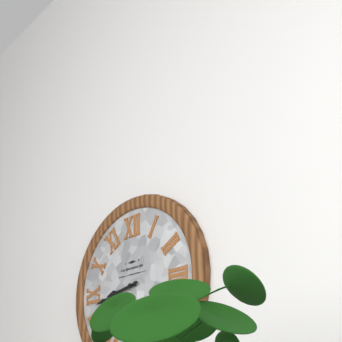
8.43
